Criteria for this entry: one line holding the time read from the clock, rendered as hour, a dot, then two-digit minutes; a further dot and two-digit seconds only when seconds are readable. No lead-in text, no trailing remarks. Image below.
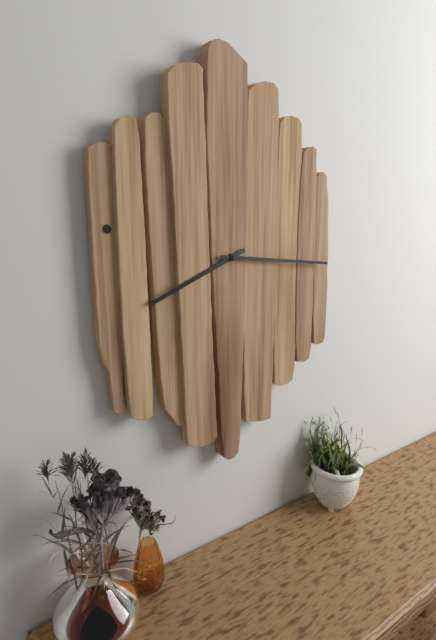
8.16
